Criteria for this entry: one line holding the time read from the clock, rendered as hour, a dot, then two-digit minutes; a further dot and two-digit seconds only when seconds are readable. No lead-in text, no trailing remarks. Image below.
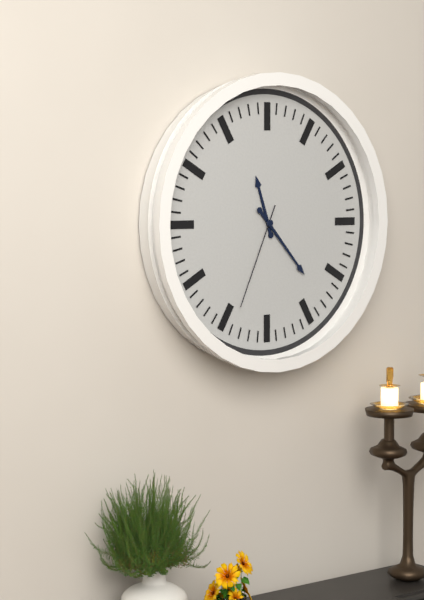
11.23.34
